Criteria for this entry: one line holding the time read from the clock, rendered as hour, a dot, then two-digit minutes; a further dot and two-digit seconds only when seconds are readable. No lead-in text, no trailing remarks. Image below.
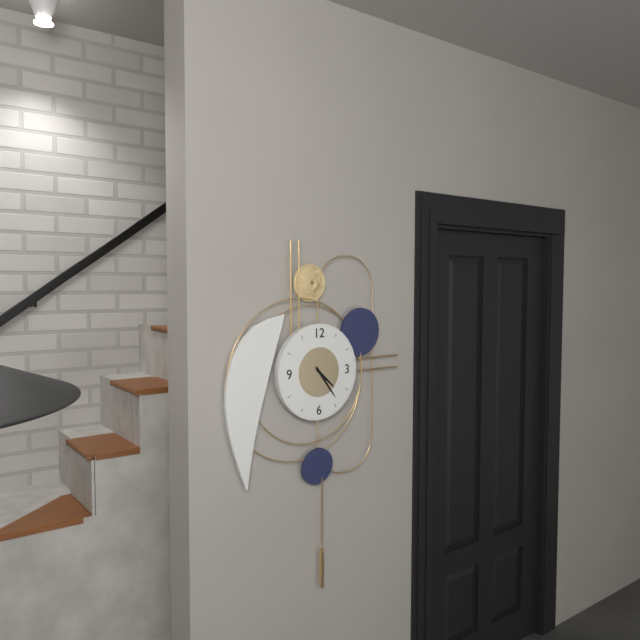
4.24
